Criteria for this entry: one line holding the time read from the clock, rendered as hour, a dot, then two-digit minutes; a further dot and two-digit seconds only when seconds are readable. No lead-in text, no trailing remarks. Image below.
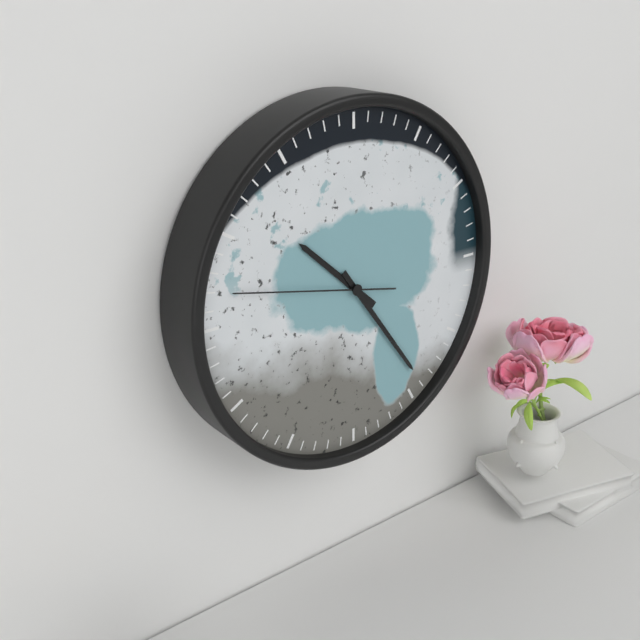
10.24.47
